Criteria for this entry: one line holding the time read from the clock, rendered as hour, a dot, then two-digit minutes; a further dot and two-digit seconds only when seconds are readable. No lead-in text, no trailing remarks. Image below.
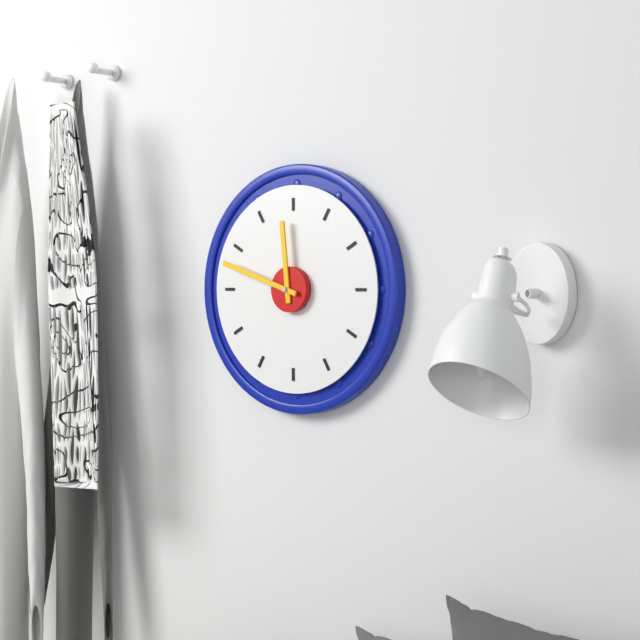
11.48
